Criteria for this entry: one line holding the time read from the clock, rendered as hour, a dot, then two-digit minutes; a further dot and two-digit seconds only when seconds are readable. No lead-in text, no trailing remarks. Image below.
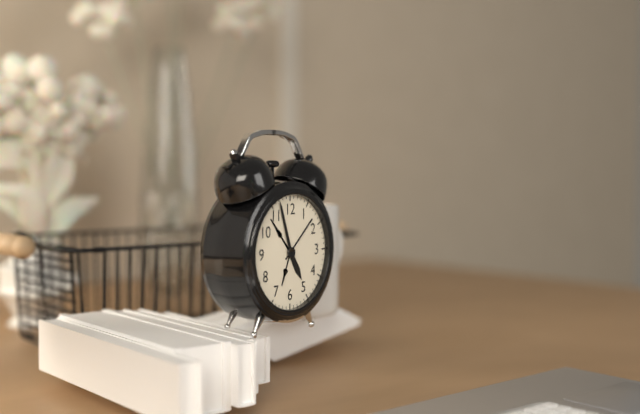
4.57
